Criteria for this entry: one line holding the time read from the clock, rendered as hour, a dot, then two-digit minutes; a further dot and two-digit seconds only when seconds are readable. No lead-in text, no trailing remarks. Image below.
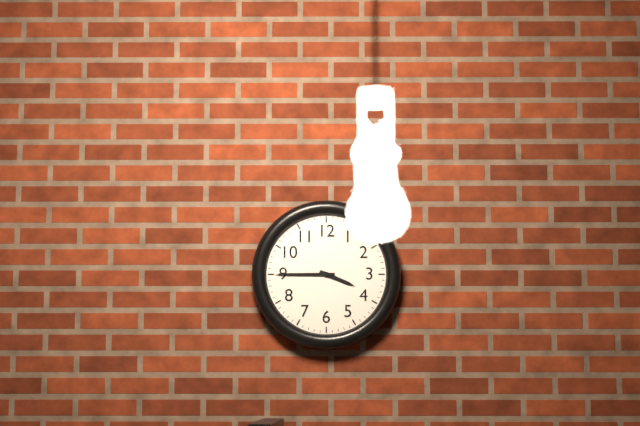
3.45
